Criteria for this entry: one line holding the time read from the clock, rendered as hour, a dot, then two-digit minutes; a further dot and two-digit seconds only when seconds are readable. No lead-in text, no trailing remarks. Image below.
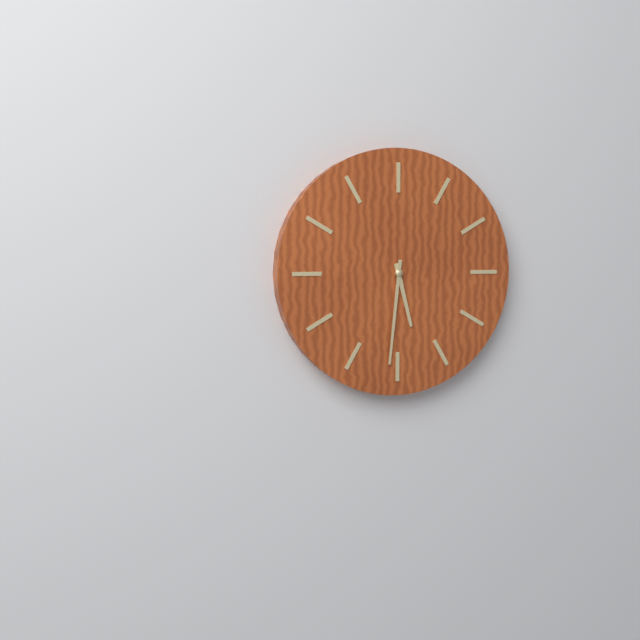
5.31
